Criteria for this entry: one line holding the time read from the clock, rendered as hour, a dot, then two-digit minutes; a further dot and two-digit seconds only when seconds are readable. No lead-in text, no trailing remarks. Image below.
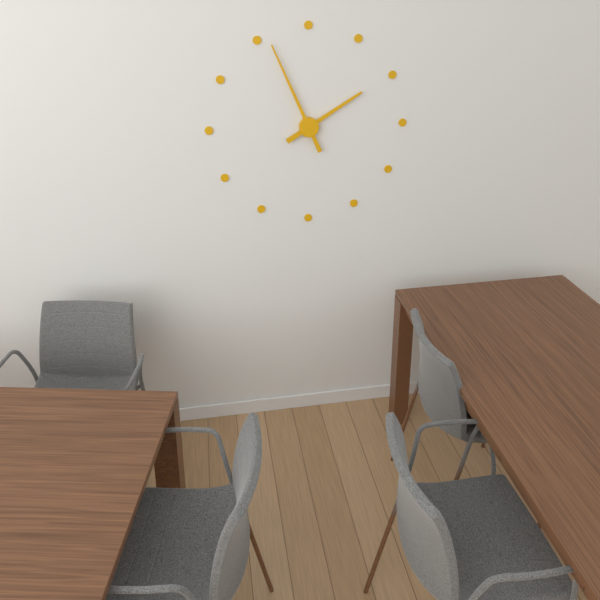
1.56
